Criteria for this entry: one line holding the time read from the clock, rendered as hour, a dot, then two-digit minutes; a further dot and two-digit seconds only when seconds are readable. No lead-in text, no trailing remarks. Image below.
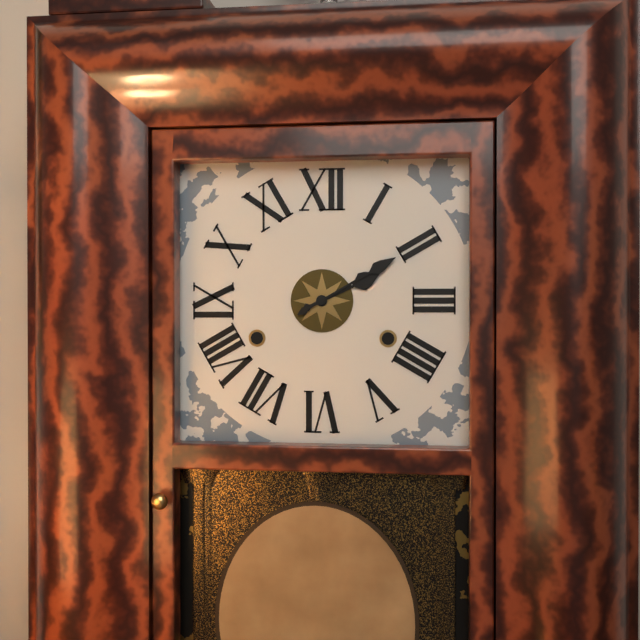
2.10
